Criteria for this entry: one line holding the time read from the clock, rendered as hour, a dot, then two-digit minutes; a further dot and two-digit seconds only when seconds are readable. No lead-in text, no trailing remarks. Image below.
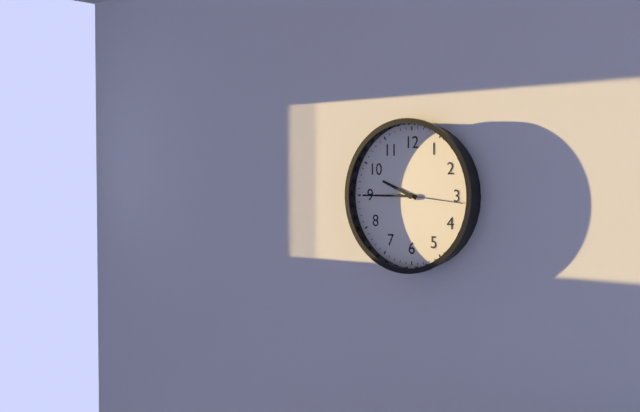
9.45.16
